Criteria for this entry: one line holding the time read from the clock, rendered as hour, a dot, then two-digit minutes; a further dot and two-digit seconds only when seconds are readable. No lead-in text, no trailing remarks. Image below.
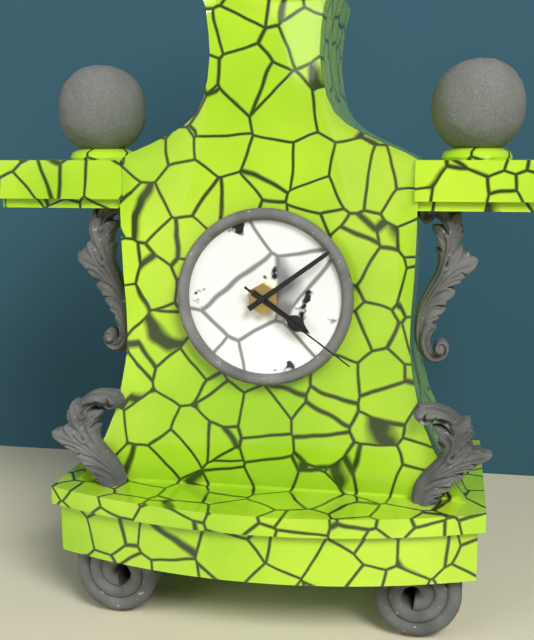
4.09.21
